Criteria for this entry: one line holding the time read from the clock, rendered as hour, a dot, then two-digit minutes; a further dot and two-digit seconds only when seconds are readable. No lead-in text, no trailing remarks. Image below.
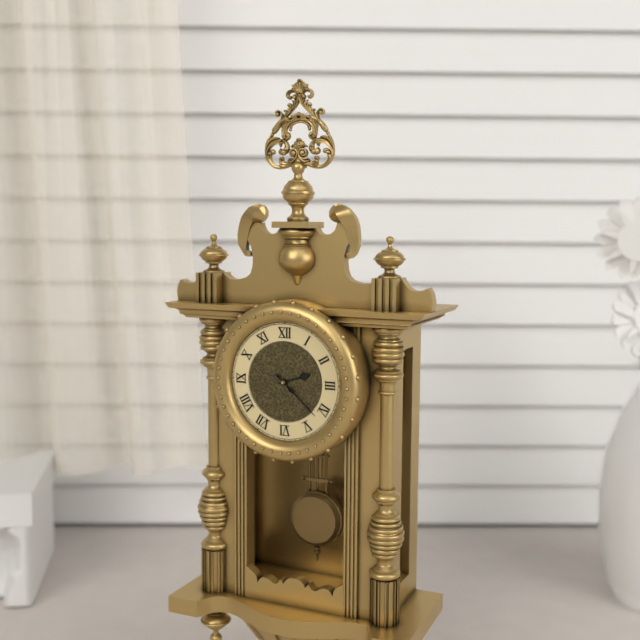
2.22
